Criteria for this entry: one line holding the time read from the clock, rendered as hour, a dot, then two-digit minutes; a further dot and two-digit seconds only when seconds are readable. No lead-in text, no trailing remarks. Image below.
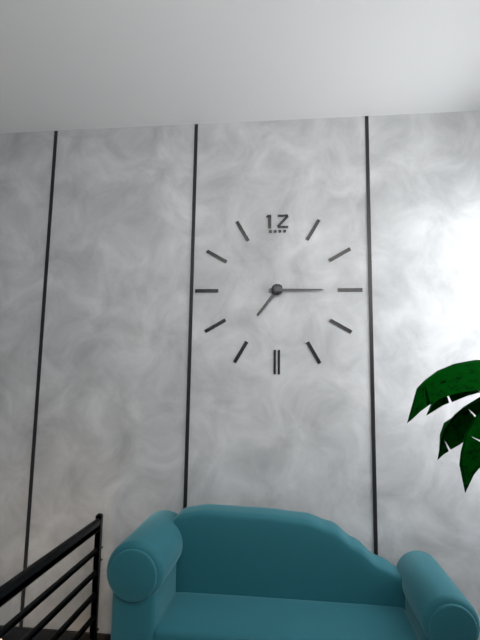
7.15
